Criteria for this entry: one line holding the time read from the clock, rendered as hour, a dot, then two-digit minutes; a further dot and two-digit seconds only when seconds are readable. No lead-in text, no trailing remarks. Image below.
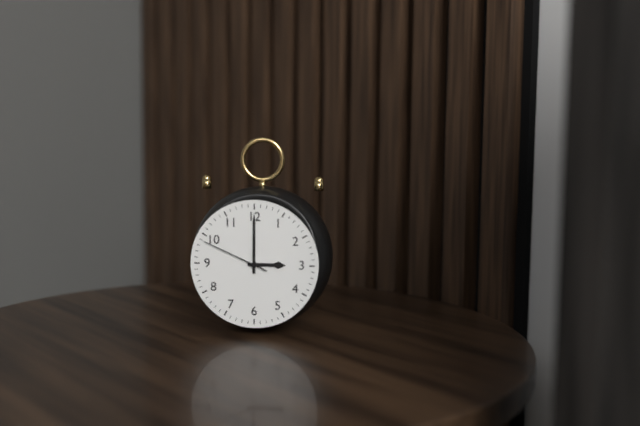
3.00.49
